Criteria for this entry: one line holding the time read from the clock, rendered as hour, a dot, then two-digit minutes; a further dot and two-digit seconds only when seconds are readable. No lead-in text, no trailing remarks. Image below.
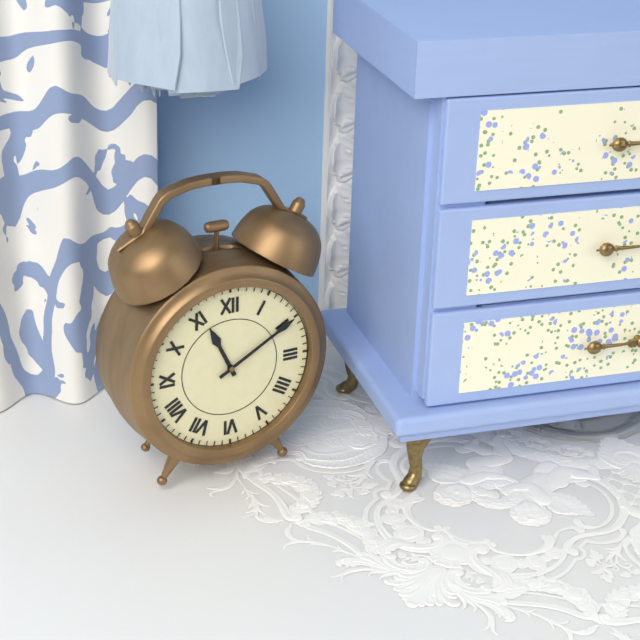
11.10
